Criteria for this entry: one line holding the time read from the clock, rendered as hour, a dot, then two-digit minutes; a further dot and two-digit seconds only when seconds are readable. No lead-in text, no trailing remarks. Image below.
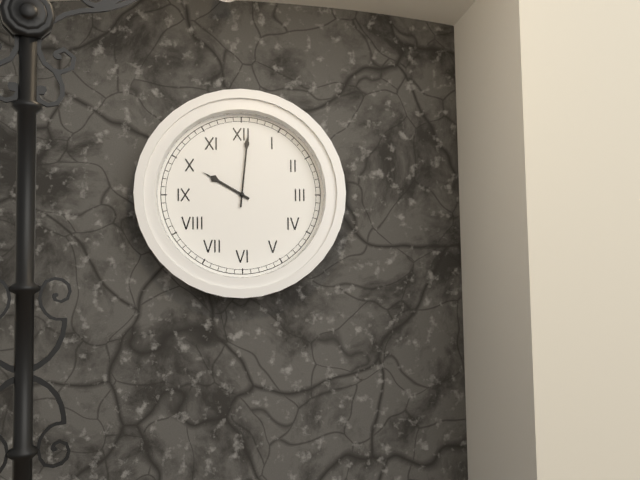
10.01
